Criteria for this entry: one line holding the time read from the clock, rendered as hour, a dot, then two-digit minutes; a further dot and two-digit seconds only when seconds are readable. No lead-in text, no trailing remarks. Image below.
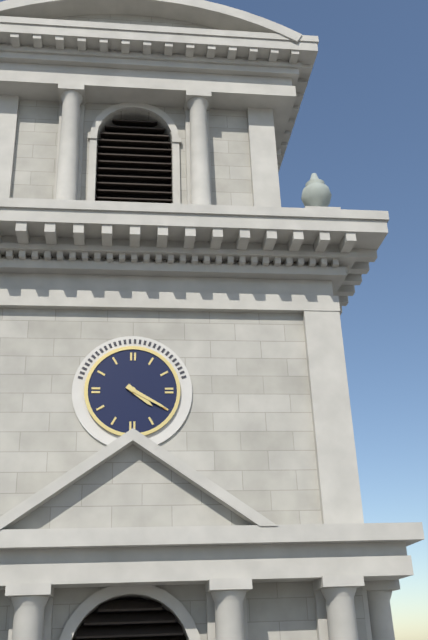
4.20
